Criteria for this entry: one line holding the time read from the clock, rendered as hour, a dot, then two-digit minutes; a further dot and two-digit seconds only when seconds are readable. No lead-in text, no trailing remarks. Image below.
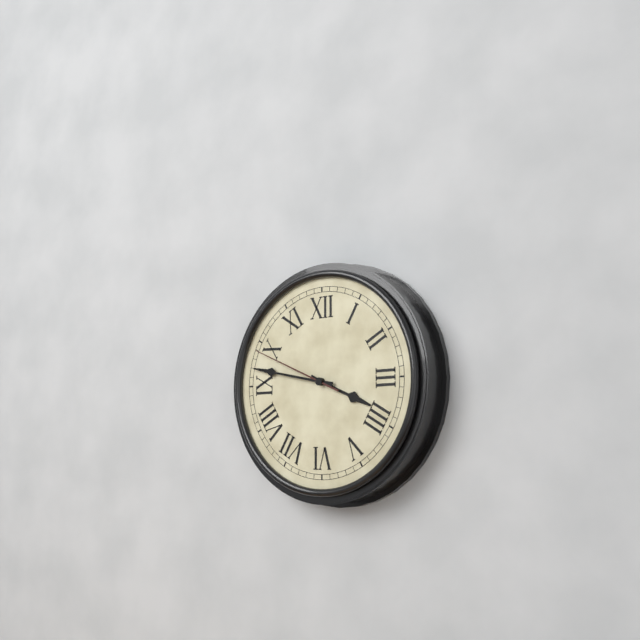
3.47.49
